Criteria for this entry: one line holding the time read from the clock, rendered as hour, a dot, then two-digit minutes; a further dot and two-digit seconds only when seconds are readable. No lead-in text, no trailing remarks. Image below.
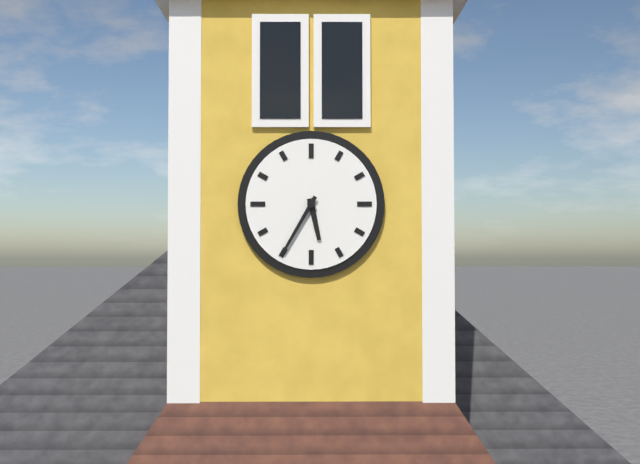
5.35
